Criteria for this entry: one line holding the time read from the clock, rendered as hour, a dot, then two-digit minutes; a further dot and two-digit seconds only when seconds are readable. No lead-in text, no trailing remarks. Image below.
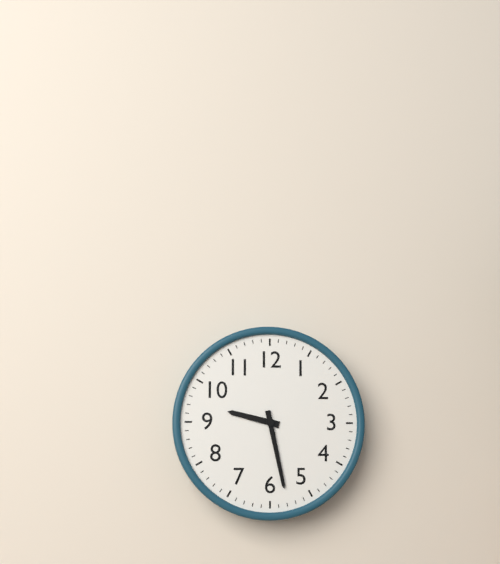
9.28
